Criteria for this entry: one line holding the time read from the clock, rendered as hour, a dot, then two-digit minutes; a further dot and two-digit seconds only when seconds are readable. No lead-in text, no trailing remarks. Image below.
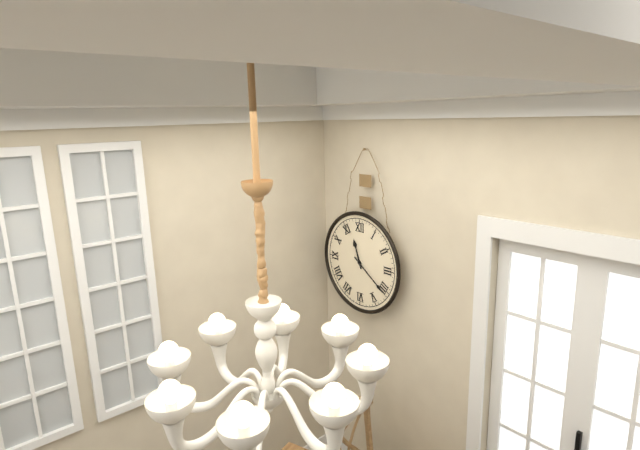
11.21
